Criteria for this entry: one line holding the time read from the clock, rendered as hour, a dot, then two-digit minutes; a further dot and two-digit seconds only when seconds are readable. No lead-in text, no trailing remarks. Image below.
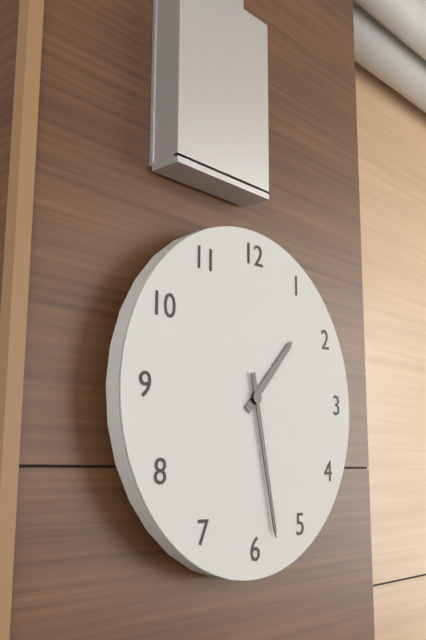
1.28
